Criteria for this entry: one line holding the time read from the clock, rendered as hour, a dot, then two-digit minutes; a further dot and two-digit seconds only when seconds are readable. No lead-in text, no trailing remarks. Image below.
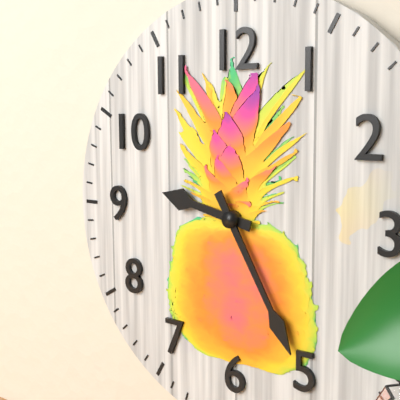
9.25
